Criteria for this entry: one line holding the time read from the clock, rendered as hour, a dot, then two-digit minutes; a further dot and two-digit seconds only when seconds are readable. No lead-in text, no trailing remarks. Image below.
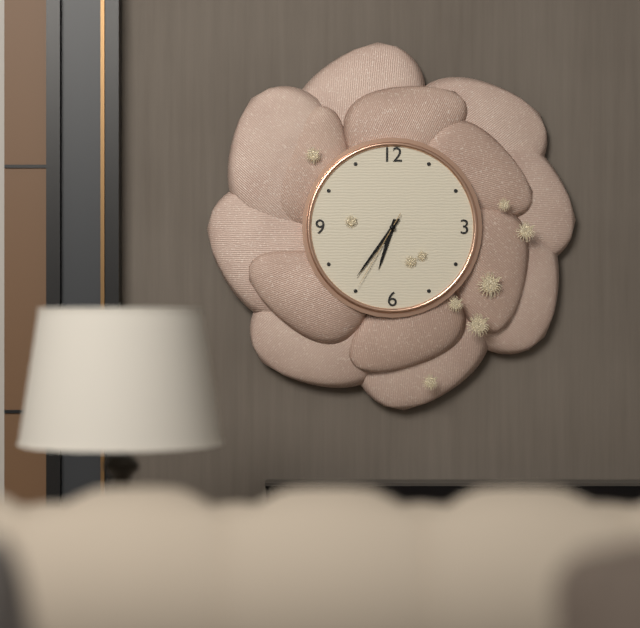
6.36.35
